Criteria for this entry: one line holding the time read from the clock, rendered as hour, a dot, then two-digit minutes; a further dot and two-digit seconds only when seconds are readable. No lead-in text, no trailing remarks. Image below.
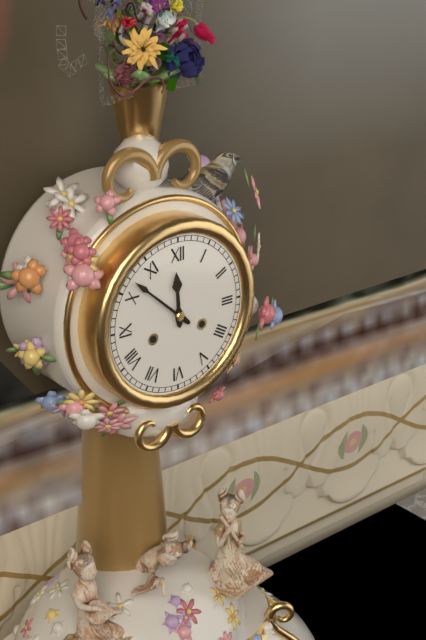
11.52
